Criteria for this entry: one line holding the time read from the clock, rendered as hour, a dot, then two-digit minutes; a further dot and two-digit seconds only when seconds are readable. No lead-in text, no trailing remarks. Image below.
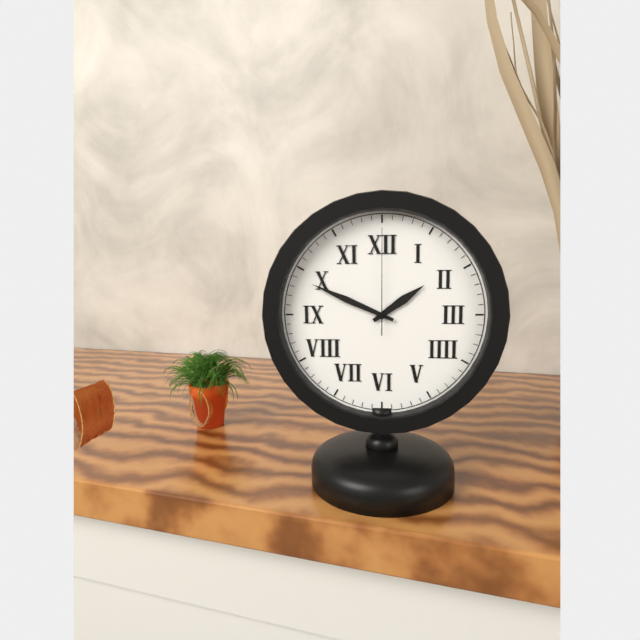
1.49.00
